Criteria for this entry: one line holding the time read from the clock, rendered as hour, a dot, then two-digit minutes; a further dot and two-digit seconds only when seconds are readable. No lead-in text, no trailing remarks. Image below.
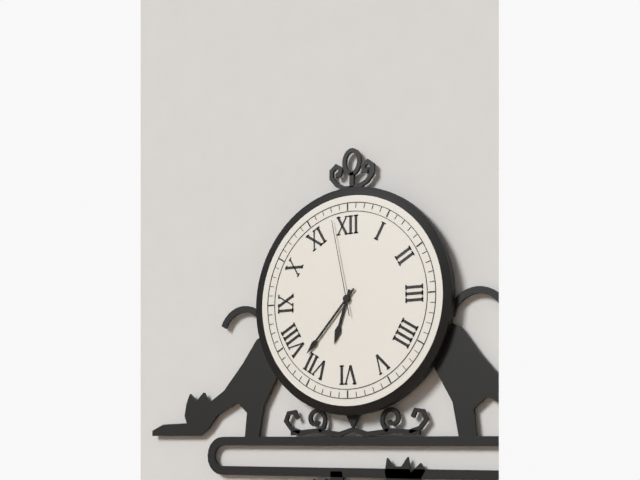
6.37.58
